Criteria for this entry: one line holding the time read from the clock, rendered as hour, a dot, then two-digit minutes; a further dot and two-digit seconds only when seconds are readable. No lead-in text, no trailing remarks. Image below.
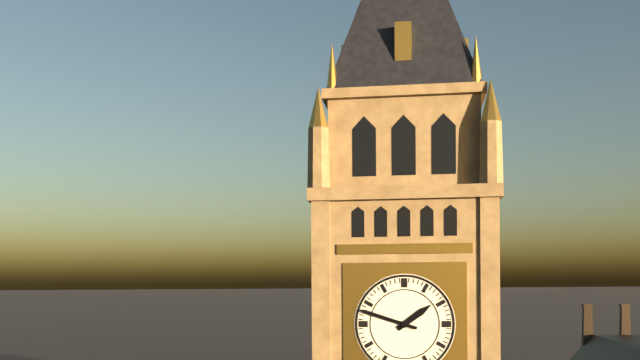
1.48
